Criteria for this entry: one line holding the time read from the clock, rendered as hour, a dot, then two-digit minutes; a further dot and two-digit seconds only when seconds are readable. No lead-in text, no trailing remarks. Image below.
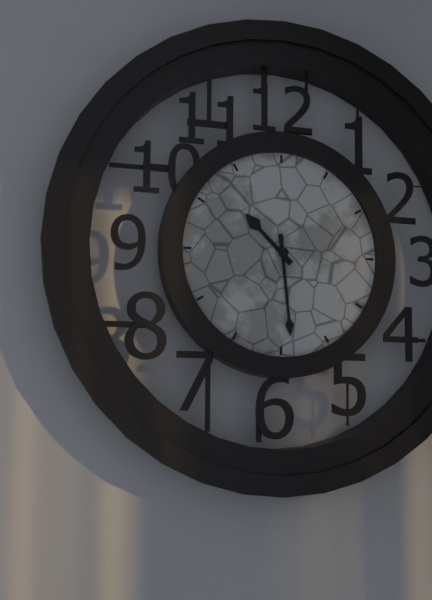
10.29
